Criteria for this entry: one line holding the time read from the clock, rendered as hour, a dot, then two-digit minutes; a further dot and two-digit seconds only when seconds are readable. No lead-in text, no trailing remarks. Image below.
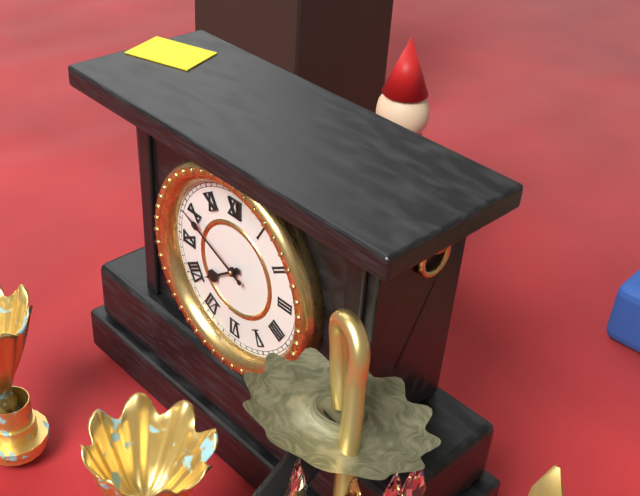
7.49
